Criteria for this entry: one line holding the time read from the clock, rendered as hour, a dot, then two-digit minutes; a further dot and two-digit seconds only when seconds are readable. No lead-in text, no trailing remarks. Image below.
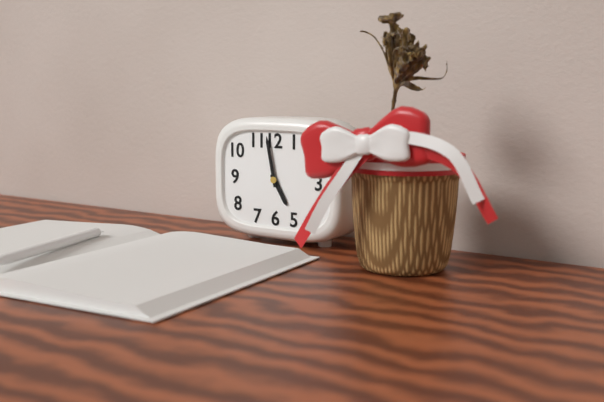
4.58
